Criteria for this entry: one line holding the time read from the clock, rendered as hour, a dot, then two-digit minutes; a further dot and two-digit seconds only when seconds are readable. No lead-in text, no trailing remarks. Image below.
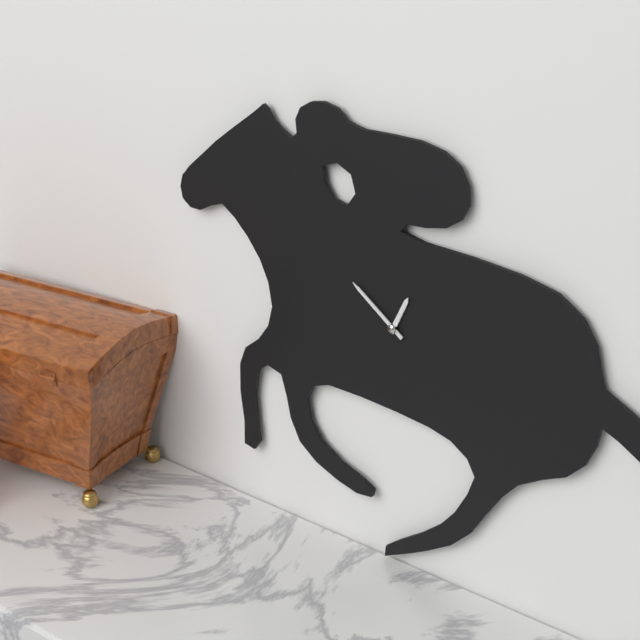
12.51
